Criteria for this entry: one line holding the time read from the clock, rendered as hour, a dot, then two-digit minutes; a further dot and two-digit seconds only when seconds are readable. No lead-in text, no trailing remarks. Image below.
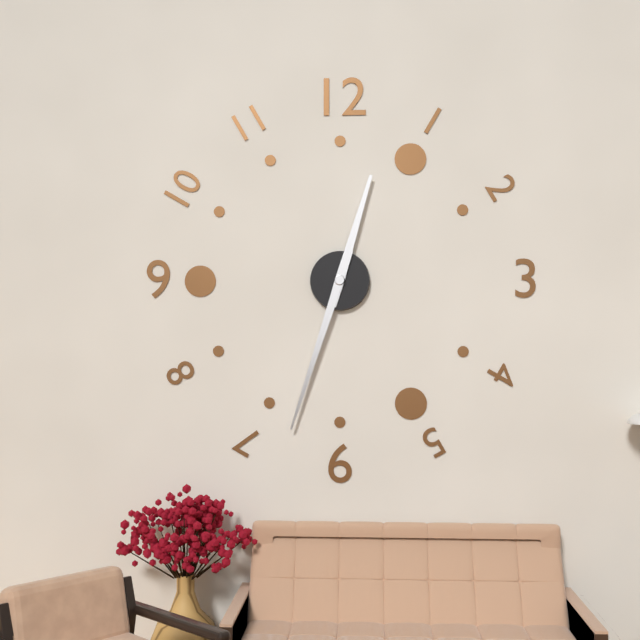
12.33
